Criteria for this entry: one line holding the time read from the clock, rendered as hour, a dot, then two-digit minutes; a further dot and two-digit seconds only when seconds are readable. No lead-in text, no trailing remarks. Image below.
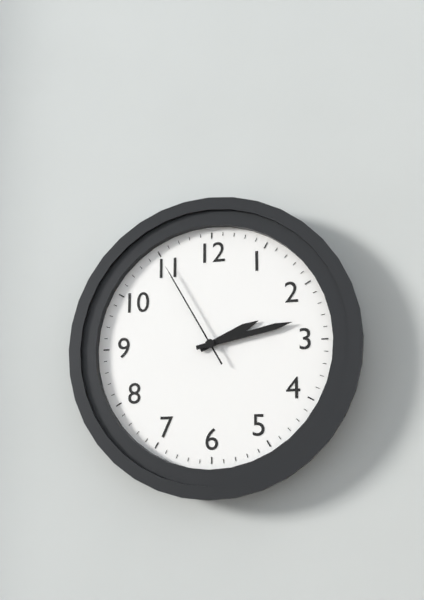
2.13.55
